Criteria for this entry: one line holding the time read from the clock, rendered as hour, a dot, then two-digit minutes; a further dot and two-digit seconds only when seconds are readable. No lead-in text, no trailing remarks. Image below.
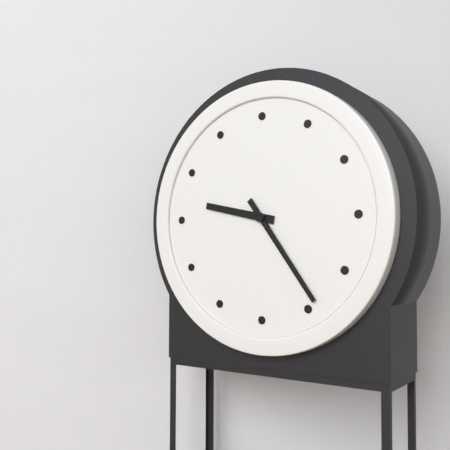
9.24
